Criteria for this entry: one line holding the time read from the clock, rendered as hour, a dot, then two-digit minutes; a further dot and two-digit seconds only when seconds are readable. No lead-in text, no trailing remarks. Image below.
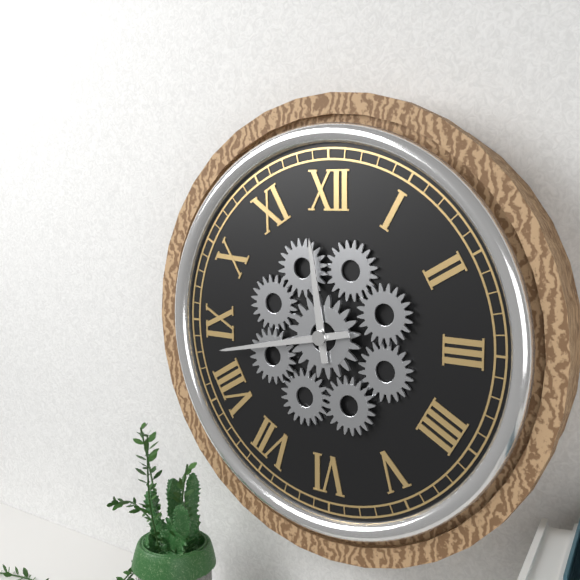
11.43
